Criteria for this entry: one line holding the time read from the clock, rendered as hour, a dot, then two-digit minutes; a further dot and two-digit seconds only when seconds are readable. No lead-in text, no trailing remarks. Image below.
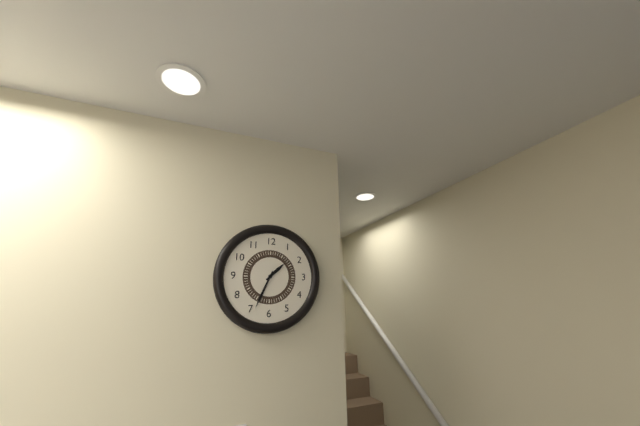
1.34
